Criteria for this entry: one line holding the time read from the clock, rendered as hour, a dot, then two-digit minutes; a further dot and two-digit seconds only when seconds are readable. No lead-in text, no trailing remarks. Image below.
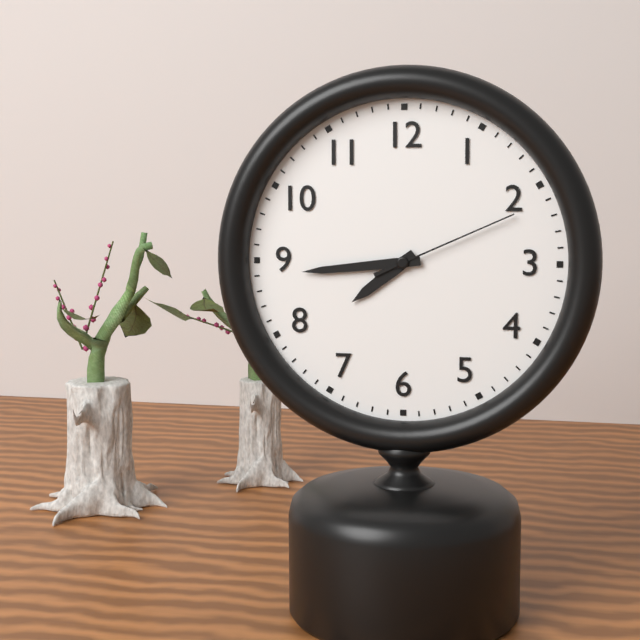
7.44.11
